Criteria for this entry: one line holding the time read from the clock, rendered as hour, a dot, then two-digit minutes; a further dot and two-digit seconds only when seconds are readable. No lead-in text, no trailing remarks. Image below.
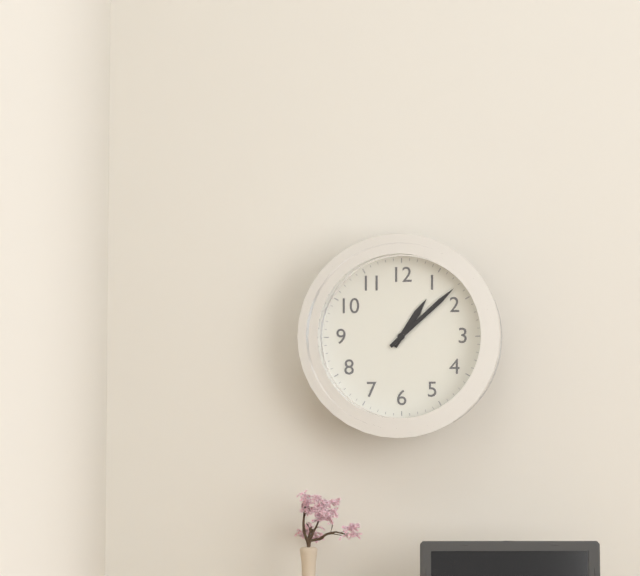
1.08
